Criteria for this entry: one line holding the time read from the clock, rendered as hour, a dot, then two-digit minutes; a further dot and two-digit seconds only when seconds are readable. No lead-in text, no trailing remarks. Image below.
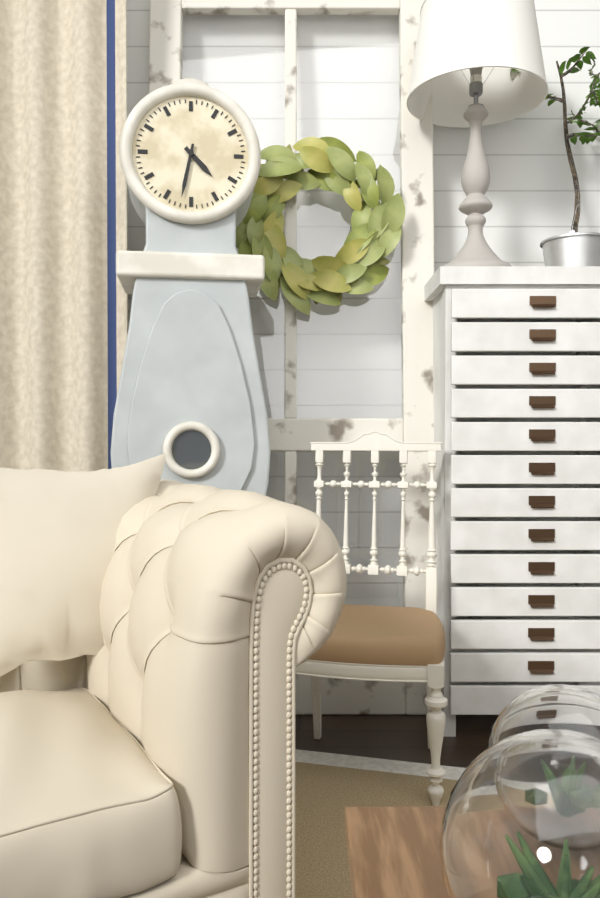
4.32
